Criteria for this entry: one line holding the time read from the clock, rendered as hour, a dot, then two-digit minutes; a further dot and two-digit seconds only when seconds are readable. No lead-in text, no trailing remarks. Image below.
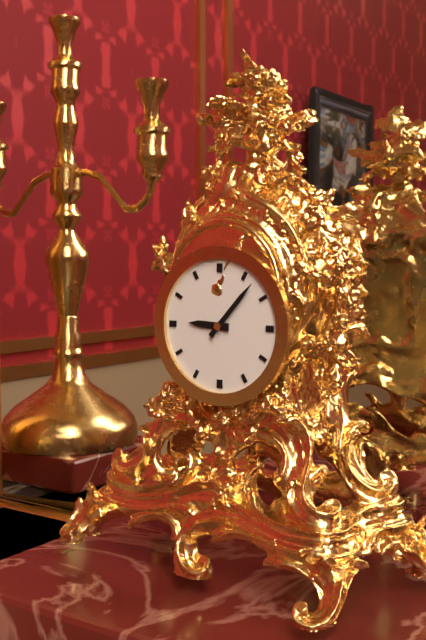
9.07
